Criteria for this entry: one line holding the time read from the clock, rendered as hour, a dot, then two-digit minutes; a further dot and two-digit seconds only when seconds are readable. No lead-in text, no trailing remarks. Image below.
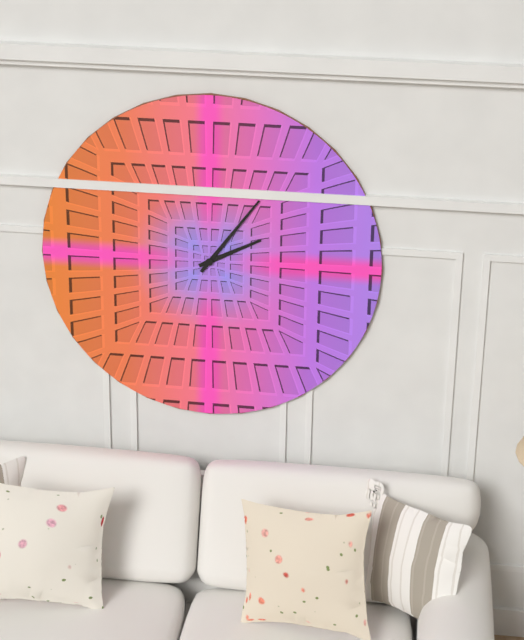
2.06
